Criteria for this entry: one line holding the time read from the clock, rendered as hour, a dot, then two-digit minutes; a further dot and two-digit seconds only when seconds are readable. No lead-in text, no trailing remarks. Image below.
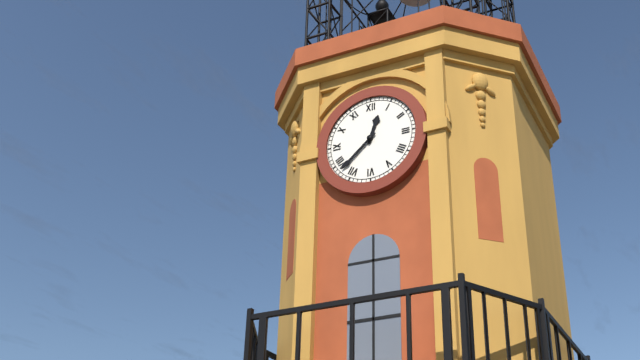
12.38
